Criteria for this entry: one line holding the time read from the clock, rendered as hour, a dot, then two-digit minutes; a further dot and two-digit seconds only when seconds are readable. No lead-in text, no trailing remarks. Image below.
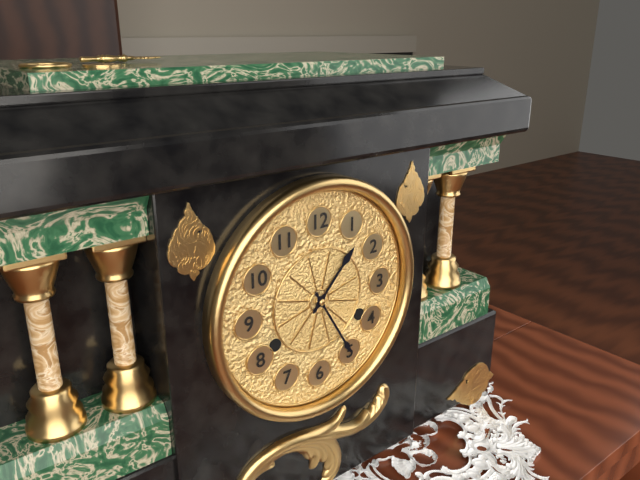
1.25
